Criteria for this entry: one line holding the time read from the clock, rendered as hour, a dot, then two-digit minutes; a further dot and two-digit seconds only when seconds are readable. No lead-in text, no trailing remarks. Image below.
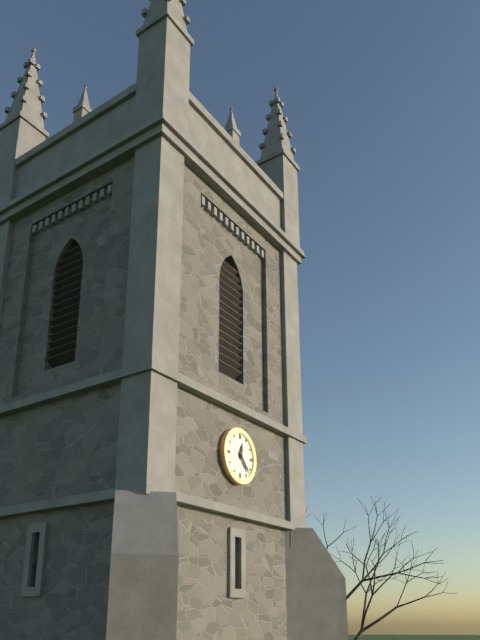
12.23
